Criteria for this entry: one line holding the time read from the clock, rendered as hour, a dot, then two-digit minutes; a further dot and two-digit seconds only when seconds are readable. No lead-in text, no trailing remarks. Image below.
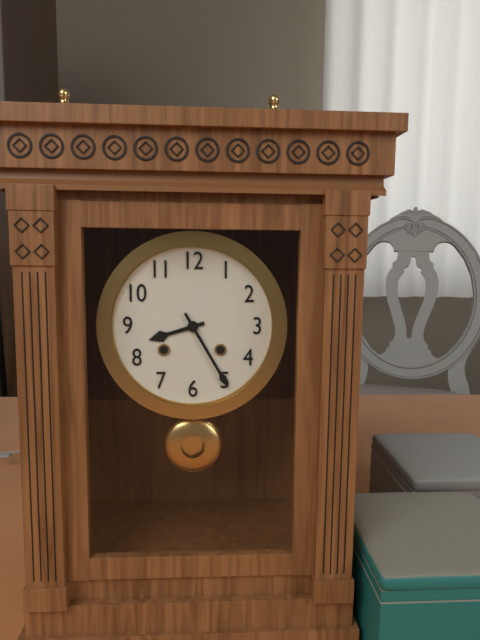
8.25
